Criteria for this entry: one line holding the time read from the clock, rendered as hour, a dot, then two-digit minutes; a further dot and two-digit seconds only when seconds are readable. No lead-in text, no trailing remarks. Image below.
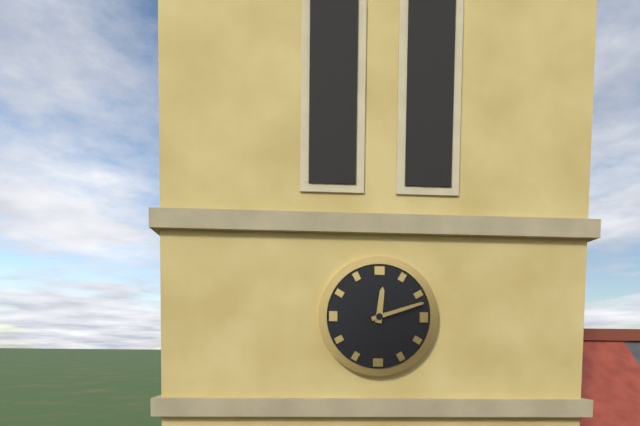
12.12
